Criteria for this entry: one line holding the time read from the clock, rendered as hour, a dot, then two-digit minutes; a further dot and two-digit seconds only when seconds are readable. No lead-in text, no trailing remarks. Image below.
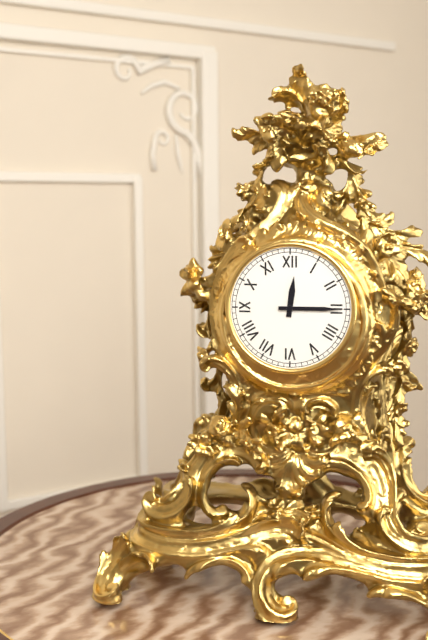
12.15
